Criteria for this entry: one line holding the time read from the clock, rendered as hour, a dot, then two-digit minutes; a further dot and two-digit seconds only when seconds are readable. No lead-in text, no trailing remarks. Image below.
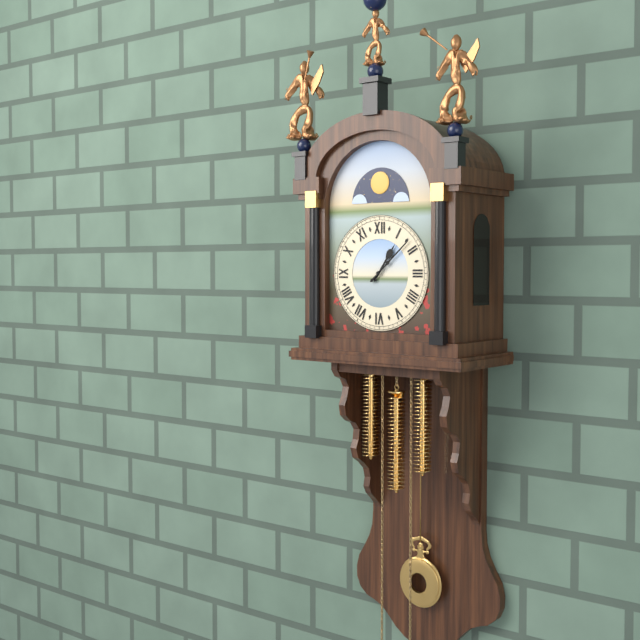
1.08
